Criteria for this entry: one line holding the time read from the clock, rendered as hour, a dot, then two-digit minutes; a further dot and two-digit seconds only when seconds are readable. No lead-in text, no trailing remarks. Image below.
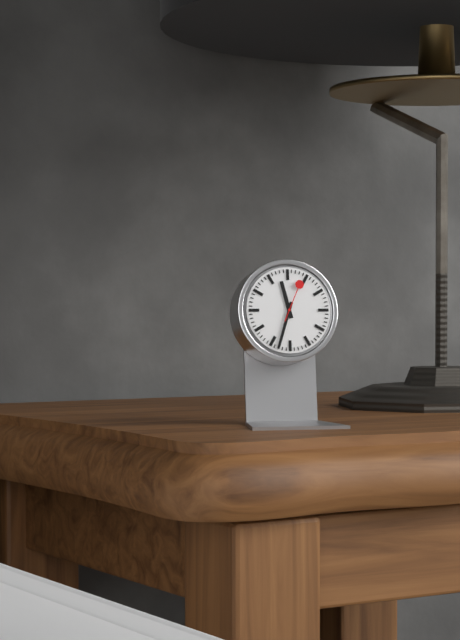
11.33
